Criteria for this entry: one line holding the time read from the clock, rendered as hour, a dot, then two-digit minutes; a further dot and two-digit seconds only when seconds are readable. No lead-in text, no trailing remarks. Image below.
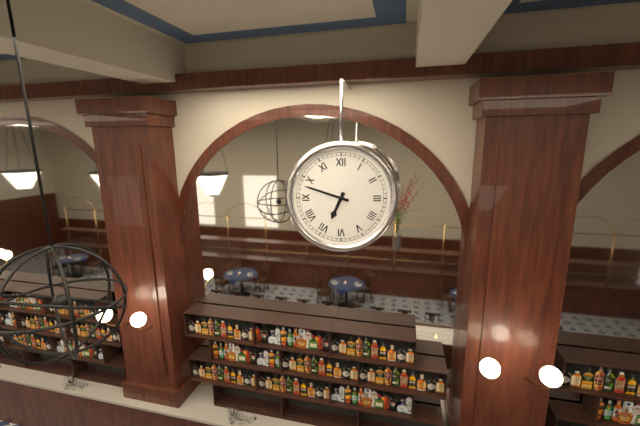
6.48
